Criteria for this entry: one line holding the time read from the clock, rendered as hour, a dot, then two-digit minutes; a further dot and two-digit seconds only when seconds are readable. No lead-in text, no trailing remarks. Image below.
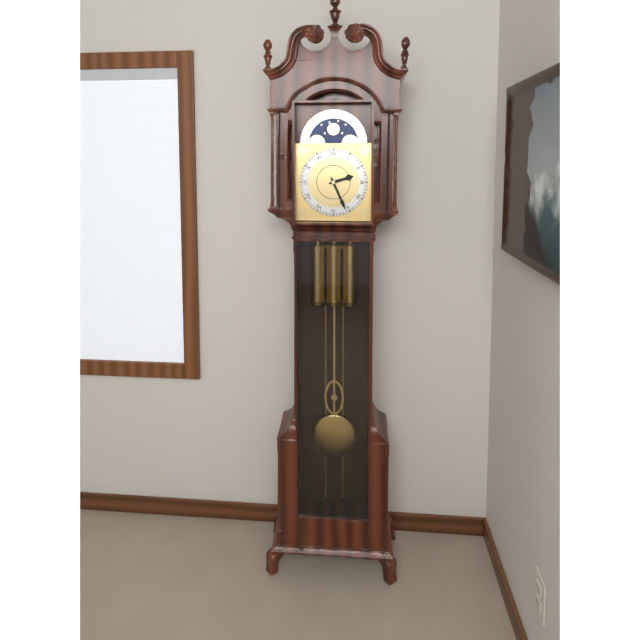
2.26
